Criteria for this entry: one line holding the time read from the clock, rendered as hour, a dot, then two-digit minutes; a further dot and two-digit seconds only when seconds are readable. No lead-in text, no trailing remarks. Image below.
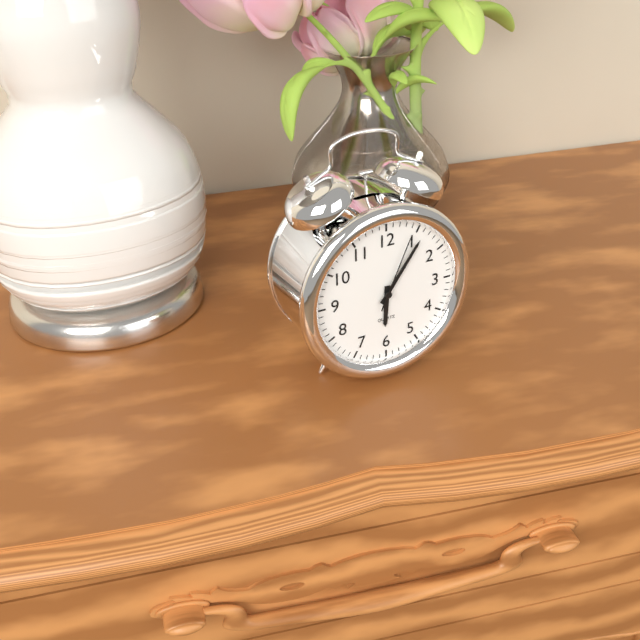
6.06.04
